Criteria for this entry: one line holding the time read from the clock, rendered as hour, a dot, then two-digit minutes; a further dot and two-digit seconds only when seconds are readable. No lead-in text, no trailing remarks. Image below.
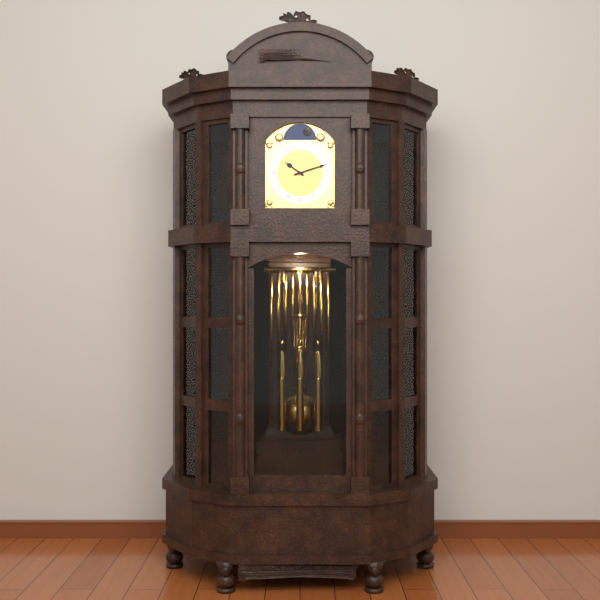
10.12
